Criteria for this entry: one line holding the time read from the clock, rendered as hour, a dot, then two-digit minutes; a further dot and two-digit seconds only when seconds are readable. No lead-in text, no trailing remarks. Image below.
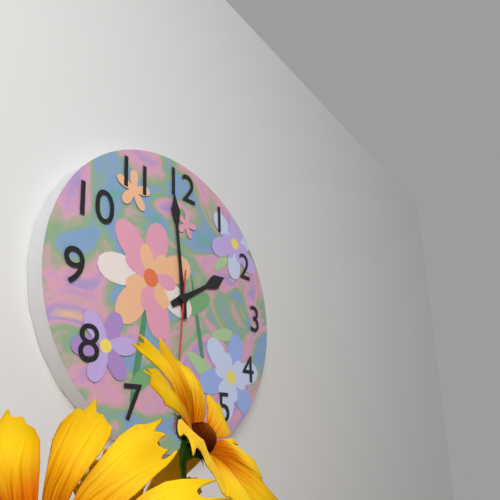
1.59
